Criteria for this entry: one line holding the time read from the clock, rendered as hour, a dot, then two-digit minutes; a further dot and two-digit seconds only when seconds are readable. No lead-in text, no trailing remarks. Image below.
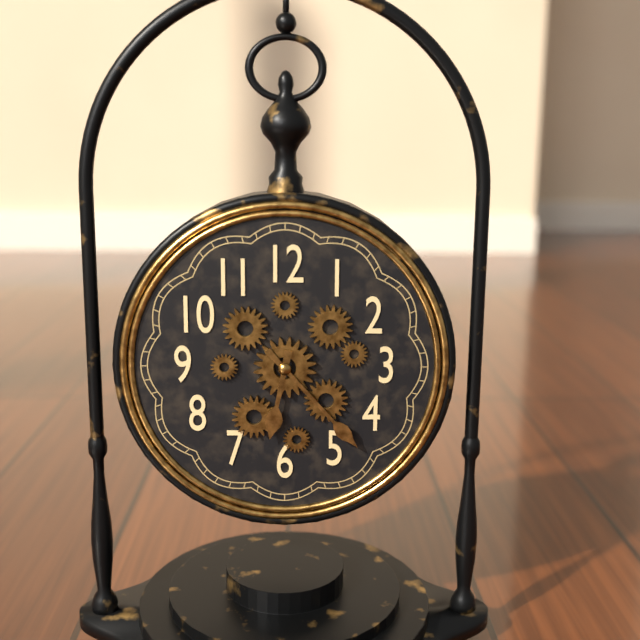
6.23
